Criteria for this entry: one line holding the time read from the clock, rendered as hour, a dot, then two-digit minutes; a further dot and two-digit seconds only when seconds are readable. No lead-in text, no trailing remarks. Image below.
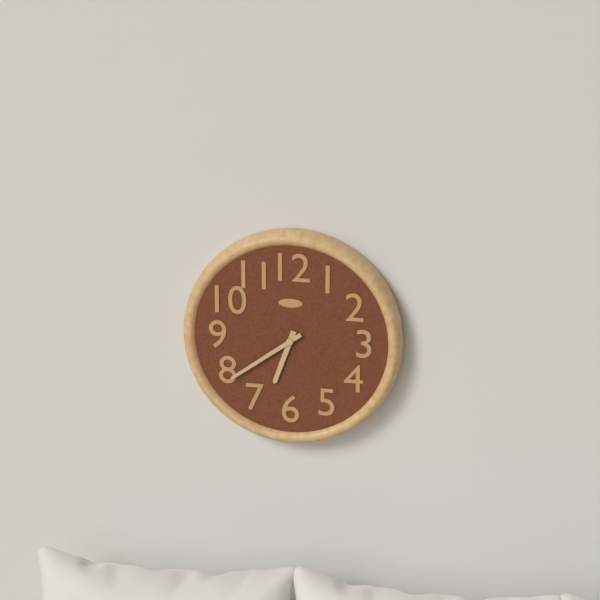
6.39
